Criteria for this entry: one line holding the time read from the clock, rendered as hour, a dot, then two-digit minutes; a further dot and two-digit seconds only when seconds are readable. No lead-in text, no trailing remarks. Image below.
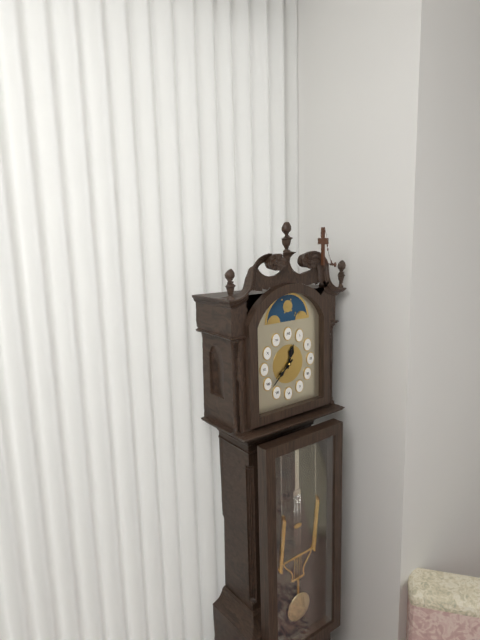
12.38
